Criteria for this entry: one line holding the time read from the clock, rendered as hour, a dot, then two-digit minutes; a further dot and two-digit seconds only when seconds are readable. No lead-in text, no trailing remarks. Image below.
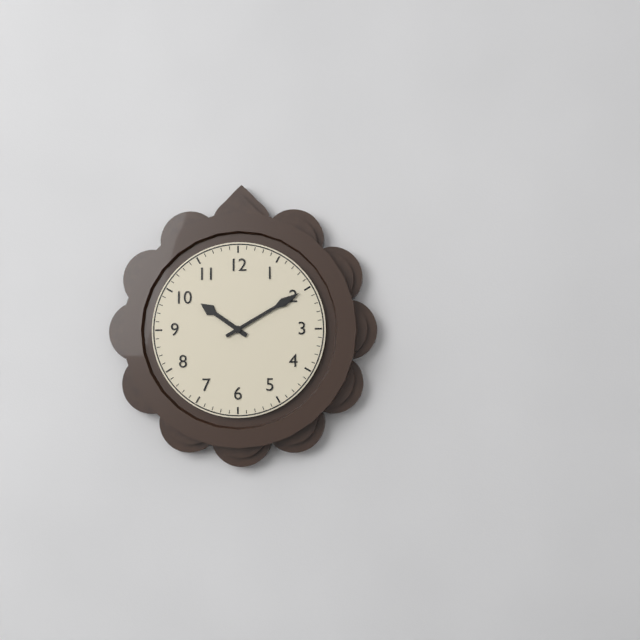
10.10
